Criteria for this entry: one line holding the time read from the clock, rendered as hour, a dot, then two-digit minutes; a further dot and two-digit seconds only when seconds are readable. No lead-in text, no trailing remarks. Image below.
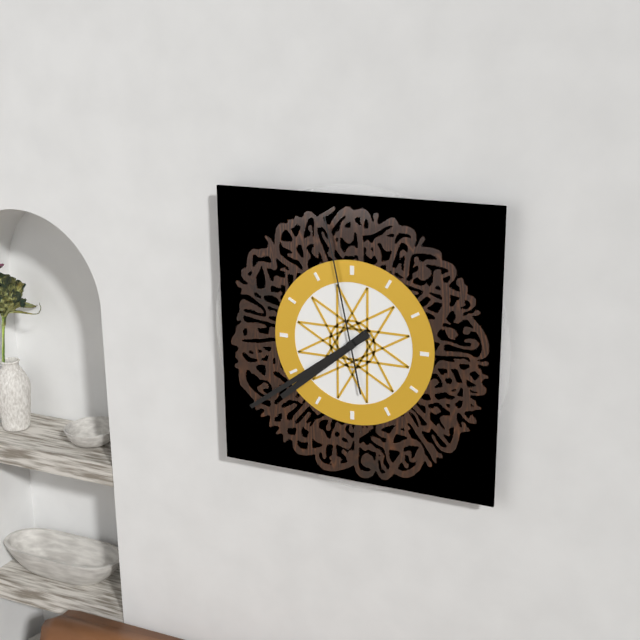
7.39.58
